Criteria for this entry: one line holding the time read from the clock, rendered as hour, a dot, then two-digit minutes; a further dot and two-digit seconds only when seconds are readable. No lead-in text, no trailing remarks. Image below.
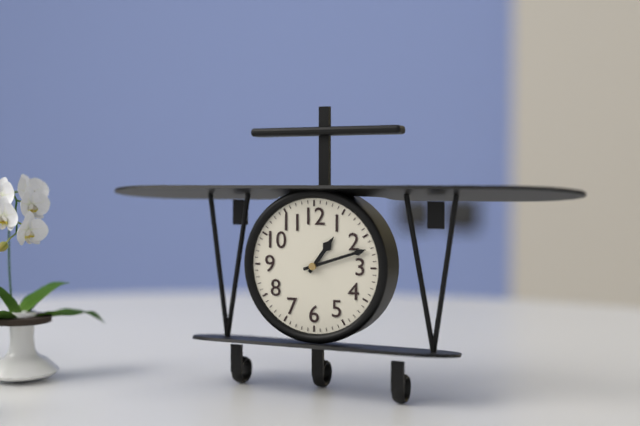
1.12
